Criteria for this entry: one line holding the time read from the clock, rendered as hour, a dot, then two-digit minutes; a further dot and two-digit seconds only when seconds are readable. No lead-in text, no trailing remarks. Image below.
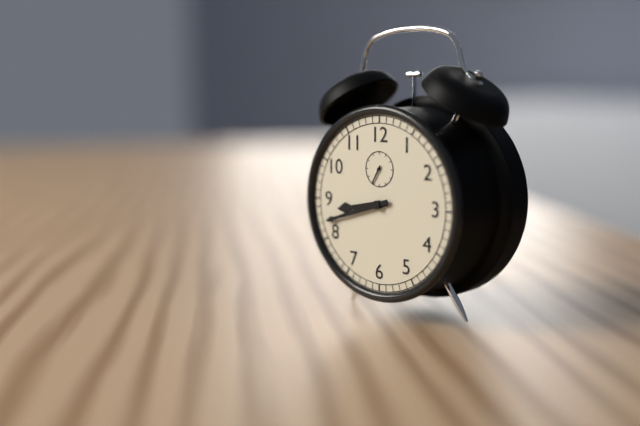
8.42
